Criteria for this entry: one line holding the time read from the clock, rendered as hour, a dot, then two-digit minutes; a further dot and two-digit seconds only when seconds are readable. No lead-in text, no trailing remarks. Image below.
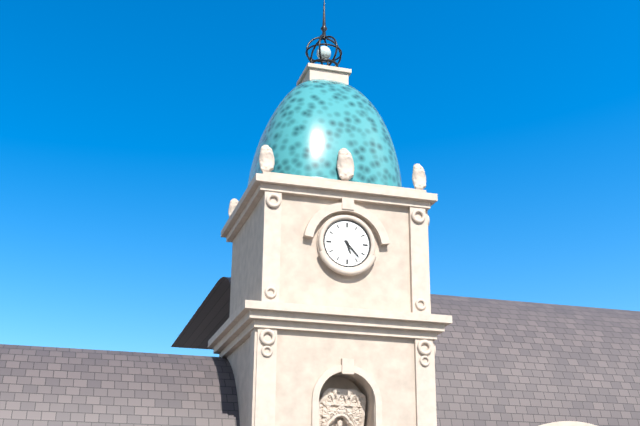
5.23
